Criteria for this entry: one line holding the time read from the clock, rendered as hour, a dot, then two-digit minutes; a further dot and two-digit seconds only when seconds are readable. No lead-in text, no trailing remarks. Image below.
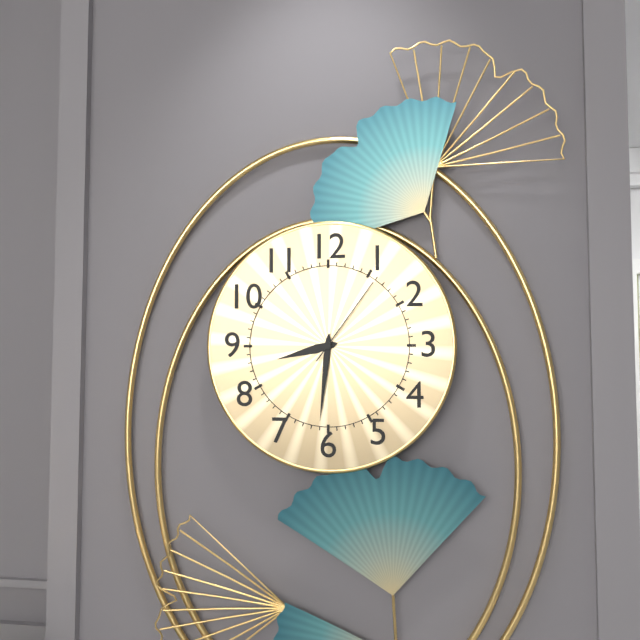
8.31.06
